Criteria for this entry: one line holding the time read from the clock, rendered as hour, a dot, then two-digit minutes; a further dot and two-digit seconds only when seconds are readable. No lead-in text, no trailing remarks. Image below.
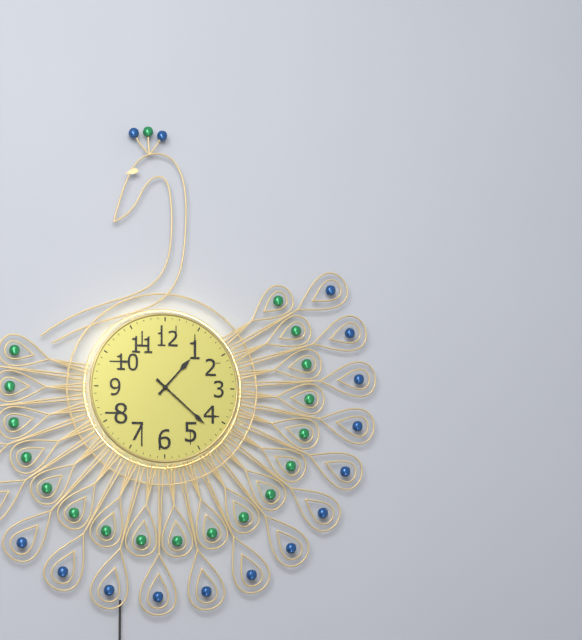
1.22
